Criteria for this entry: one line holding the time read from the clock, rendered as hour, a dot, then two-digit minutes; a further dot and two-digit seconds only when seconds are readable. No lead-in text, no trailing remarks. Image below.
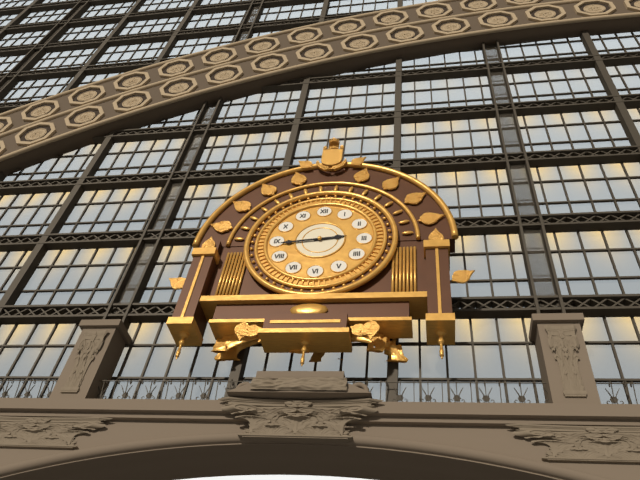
2.44
